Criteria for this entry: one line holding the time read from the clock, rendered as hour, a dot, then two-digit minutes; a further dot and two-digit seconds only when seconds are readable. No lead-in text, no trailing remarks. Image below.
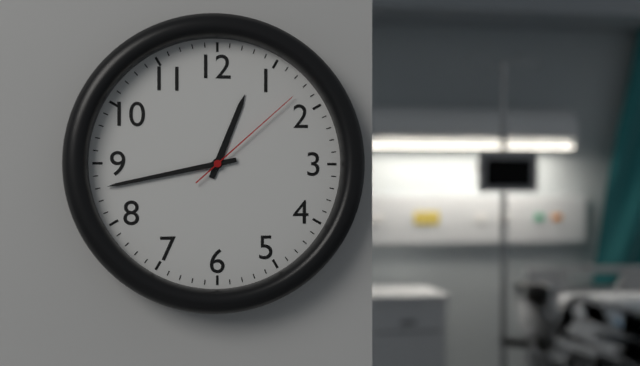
12.43.08
